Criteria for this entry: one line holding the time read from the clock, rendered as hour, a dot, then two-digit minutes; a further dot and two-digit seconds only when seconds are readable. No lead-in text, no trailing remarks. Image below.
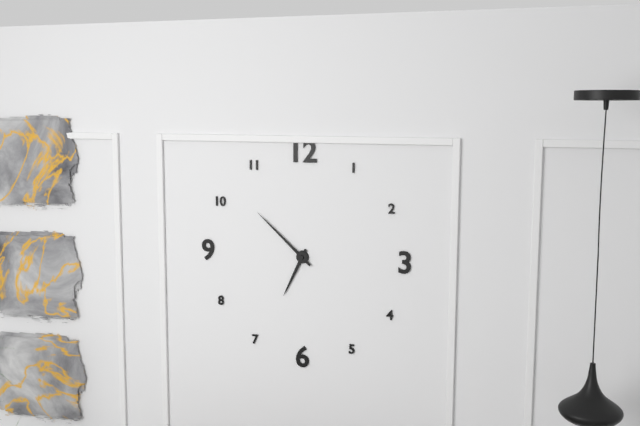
6.52
